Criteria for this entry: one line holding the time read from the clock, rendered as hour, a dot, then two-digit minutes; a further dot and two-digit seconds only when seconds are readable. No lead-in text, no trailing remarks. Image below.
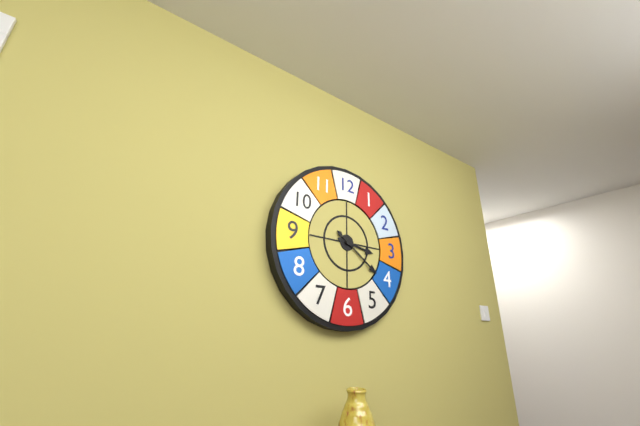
3.21
